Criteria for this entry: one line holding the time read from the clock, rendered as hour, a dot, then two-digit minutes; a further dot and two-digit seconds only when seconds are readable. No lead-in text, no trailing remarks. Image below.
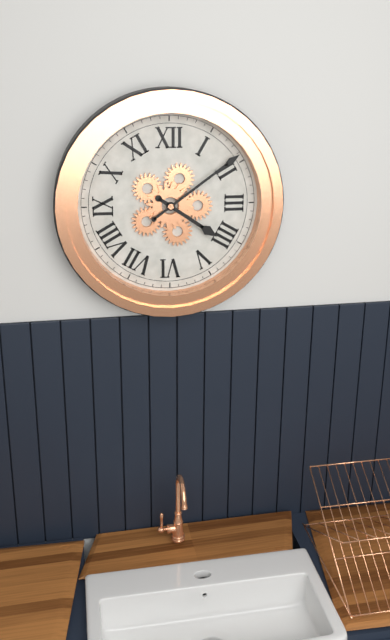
4.09
